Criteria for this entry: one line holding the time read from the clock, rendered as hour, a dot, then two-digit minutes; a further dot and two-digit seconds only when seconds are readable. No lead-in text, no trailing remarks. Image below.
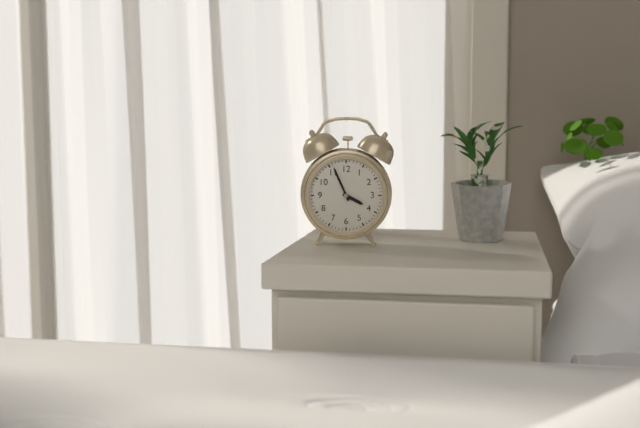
3.56
